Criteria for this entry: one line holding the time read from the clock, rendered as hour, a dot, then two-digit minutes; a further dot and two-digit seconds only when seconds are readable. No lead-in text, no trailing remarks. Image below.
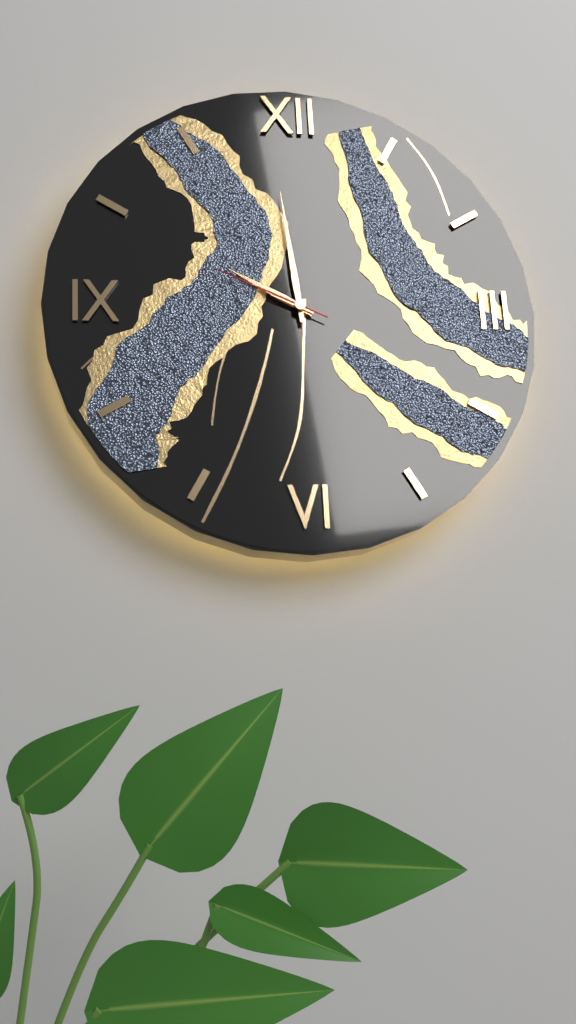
9.59.49
